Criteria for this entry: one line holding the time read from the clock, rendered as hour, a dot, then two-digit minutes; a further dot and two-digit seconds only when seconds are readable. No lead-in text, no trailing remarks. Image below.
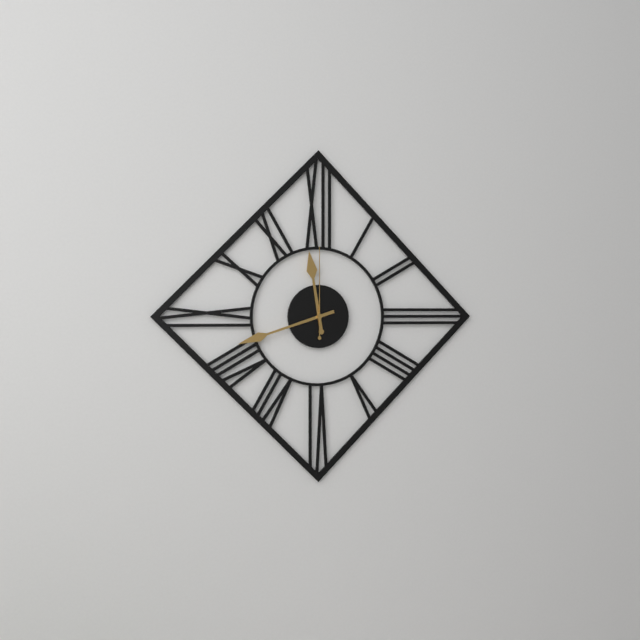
11.42.00
